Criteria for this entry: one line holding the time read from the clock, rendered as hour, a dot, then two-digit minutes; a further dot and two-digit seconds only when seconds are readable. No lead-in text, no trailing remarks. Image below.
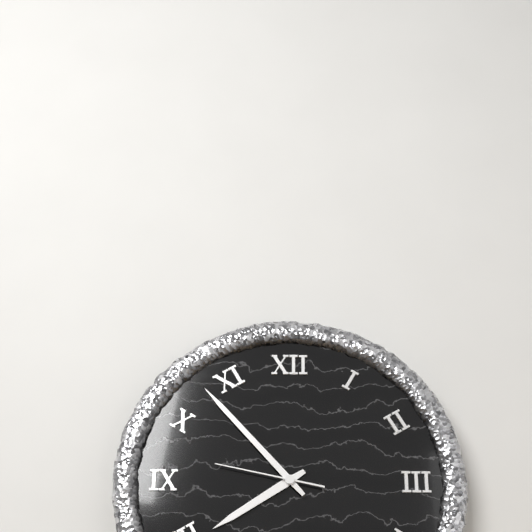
7.53.47
